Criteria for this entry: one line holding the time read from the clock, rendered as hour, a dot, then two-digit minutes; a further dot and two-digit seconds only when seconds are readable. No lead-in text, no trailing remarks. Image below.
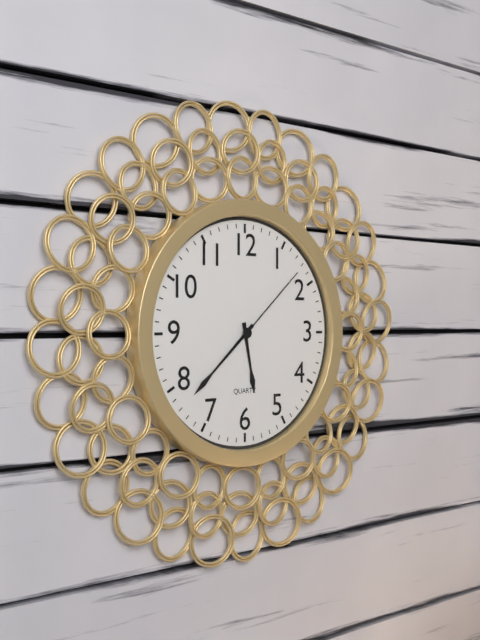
5.38.08
